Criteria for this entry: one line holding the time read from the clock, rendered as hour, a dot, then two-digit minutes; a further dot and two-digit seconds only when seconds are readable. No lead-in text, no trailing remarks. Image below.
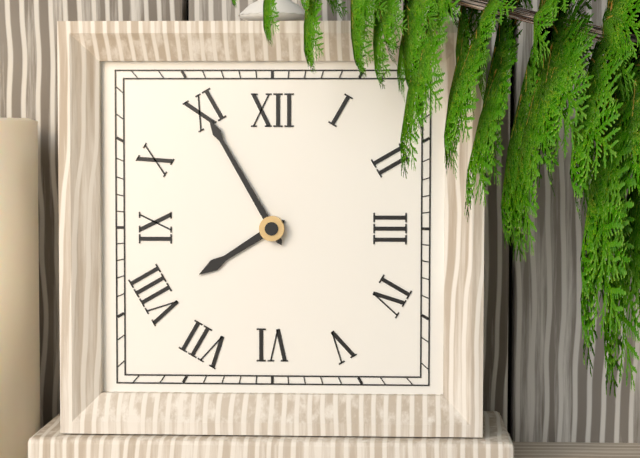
7.55
